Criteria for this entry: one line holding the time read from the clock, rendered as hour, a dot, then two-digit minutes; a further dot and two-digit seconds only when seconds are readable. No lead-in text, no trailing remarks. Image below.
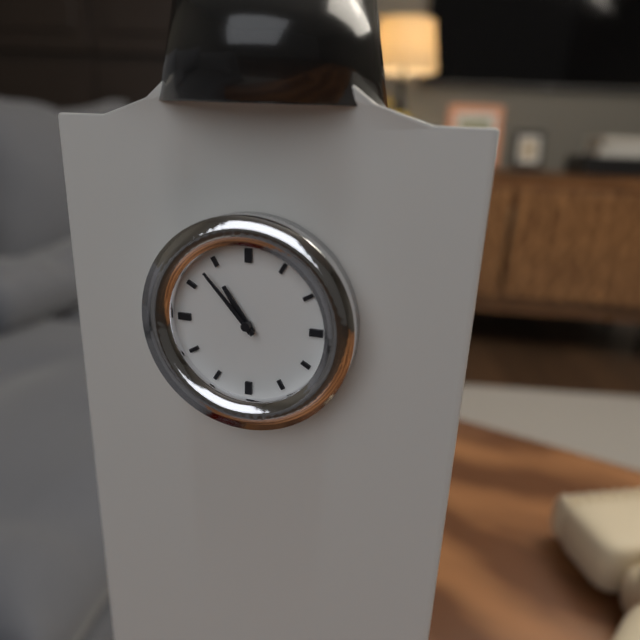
10.53
